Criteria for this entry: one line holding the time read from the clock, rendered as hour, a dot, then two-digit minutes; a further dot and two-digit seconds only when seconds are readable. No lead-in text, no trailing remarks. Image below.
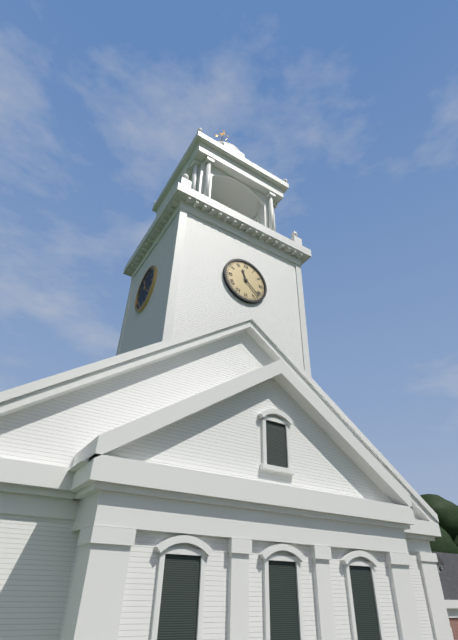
11.22
